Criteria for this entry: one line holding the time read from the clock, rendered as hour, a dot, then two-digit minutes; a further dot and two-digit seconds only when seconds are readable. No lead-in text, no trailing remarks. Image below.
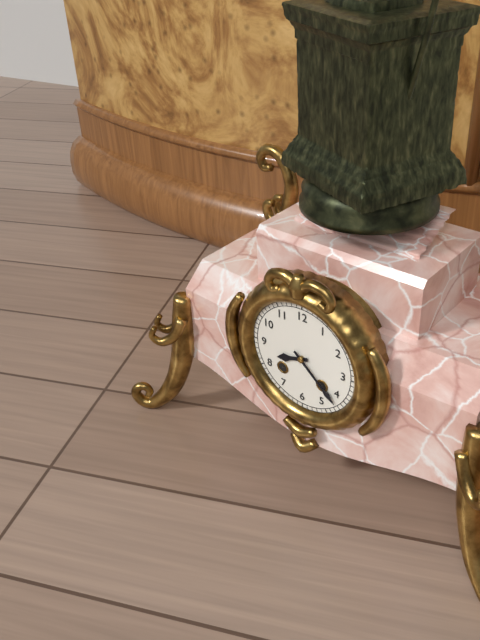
8.22
